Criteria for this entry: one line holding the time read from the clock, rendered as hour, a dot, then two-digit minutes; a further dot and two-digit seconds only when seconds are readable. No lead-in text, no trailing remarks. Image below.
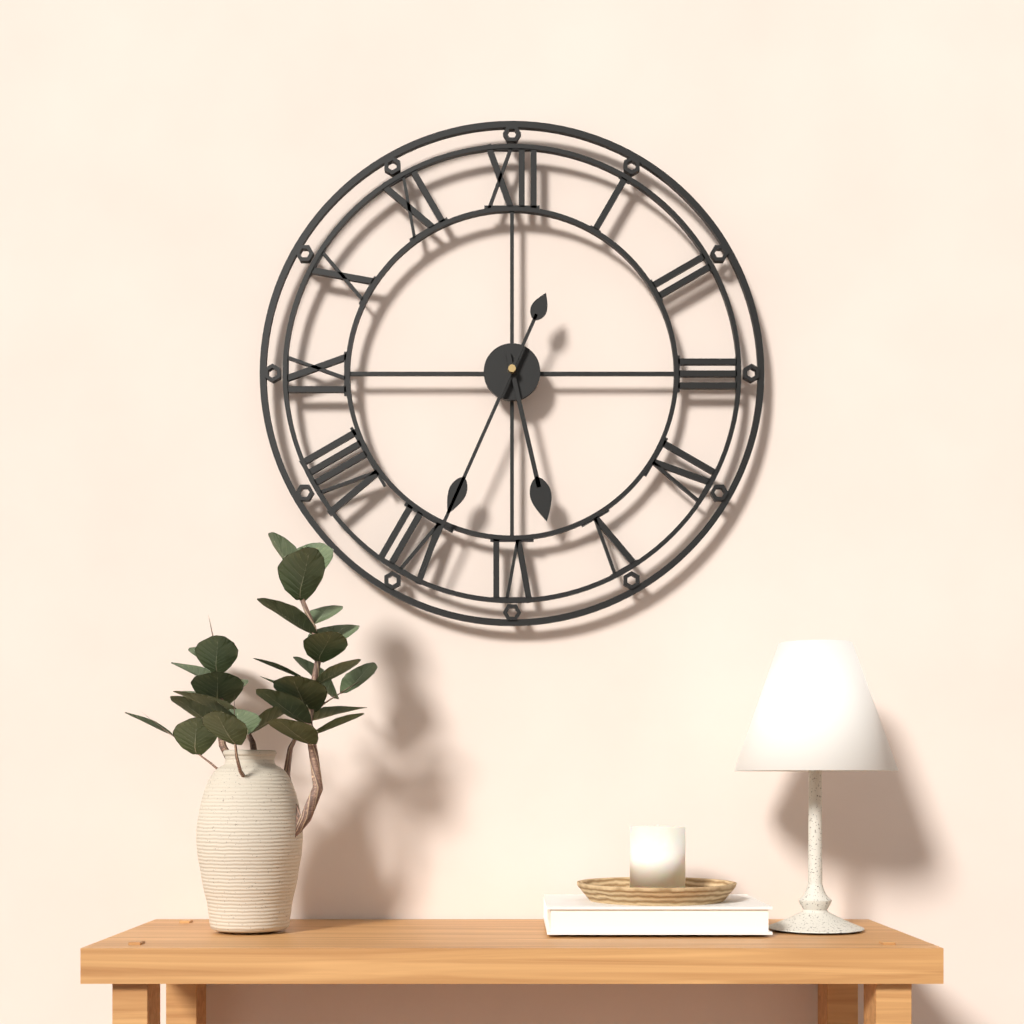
5.34
